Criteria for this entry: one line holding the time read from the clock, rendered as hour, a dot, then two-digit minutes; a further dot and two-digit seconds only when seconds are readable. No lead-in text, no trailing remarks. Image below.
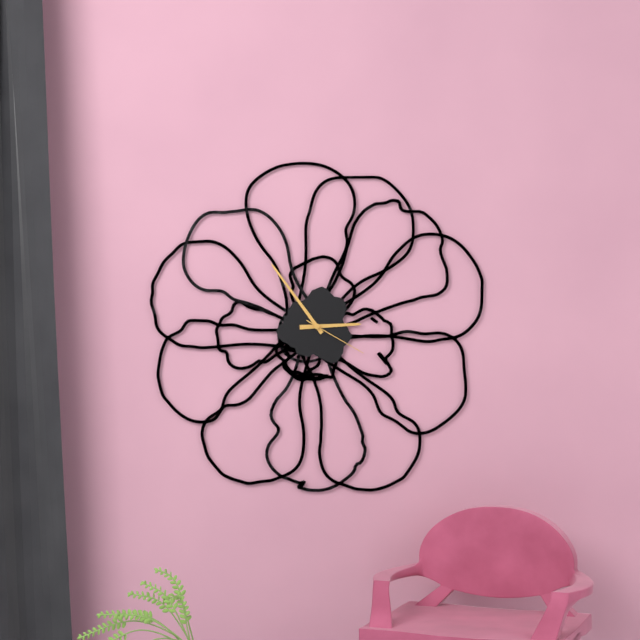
2.54.20
